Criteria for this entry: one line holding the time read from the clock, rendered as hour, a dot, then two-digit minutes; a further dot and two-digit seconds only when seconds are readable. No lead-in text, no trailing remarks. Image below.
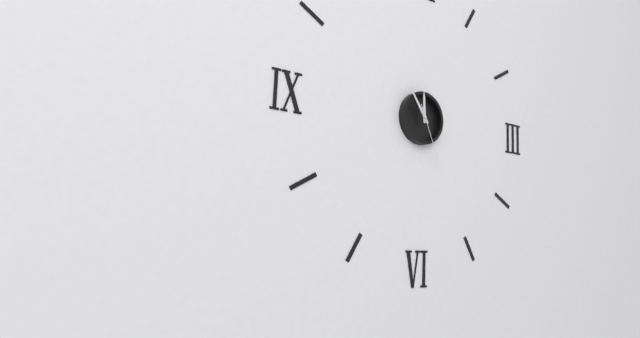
11.54.26
